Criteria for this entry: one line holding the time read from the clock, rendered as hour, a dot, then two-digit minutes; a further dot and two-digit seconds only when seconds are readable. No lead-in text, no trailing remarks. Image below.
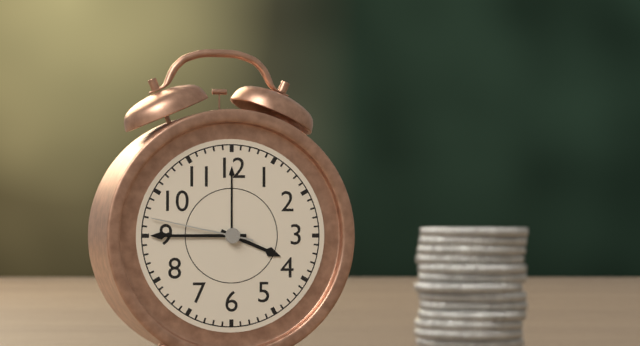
3.45.47
